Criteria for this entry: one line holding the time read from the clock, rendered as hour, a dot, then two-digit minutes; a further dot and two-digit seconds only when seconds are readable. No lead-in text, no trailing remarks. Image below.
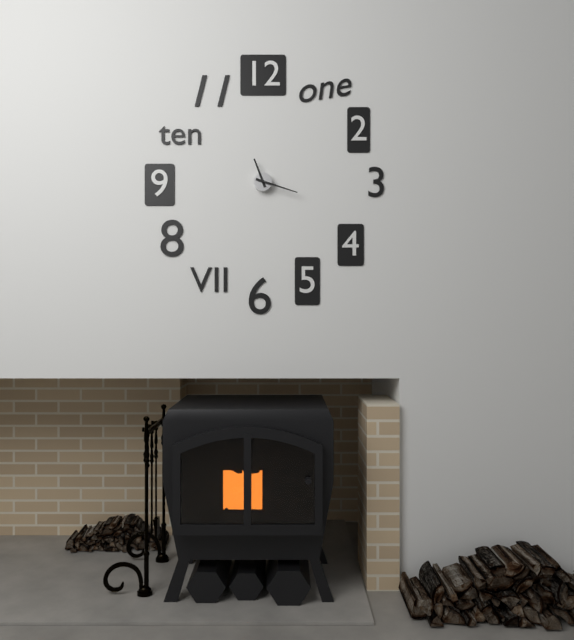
11.18
